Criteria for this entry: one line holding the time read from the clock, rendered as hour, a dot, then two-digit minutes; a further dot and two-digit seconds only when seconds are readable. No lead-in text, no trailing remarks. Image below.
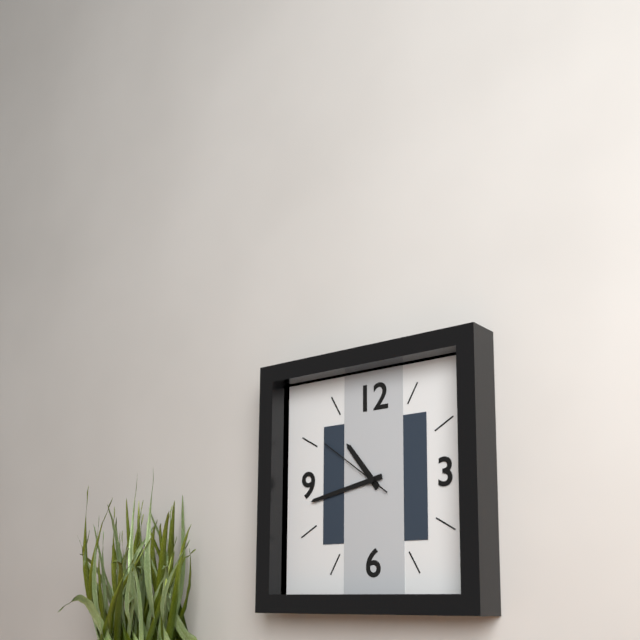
10.43.51
